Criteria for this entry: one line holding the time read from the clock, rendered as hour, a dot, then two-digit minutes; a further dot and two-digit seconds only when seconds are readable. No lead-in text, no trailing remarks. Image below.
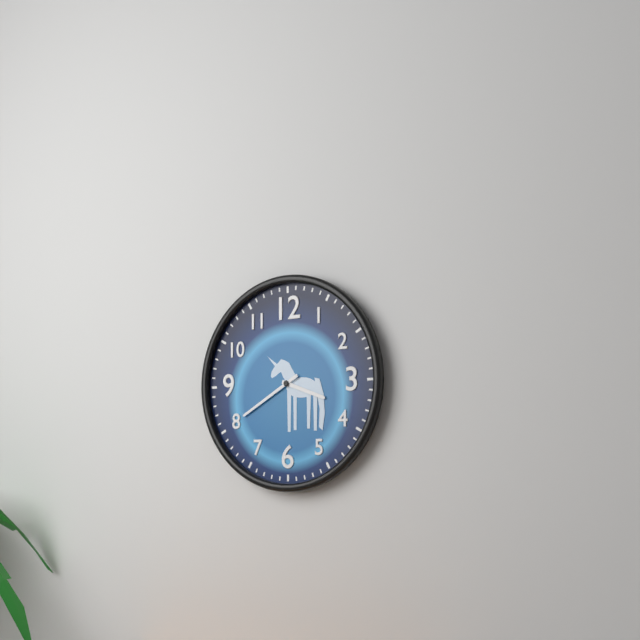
3.40
